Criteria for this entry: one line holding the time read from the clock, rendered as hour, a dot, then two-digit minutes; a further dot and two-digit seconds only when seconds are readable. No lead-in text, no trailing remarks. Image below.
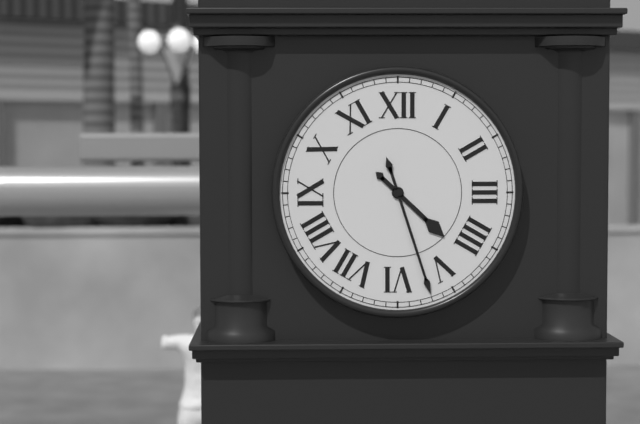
4.27
